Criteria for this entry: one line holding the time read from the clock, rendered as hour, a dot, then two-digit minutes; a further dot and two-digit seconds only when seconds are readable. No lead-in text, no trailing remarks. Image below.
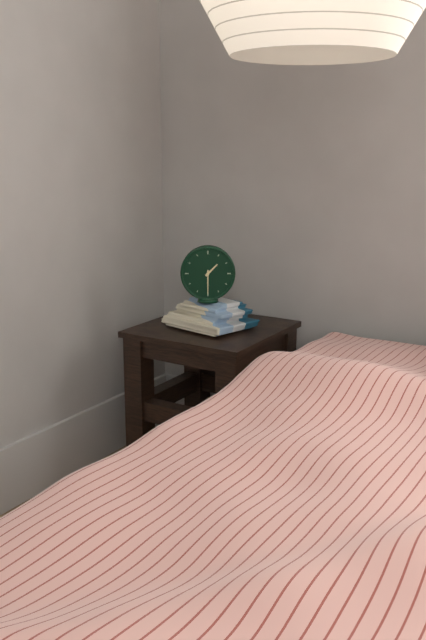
1.30
